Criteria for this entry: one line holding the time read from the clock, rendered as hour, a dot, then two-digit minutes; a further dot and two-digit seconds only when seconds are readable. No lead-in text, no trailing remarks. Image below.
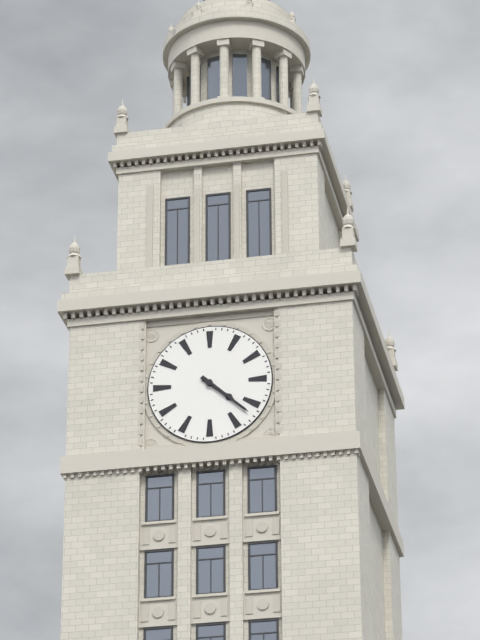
4.22
